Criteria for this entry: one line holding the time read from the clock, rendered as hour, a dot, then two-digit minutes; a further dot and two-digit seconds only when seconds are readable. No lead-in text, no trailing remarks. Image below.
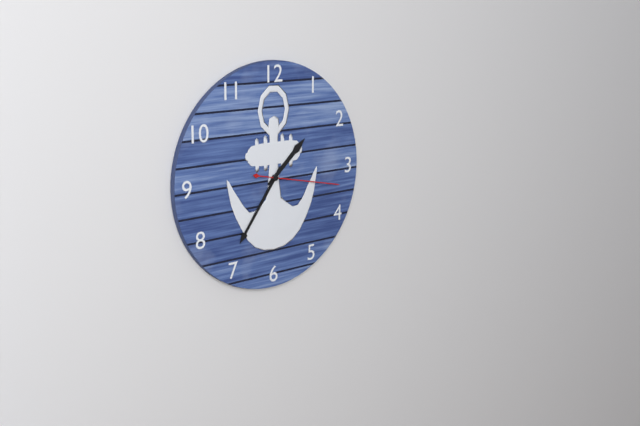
1.36.17
